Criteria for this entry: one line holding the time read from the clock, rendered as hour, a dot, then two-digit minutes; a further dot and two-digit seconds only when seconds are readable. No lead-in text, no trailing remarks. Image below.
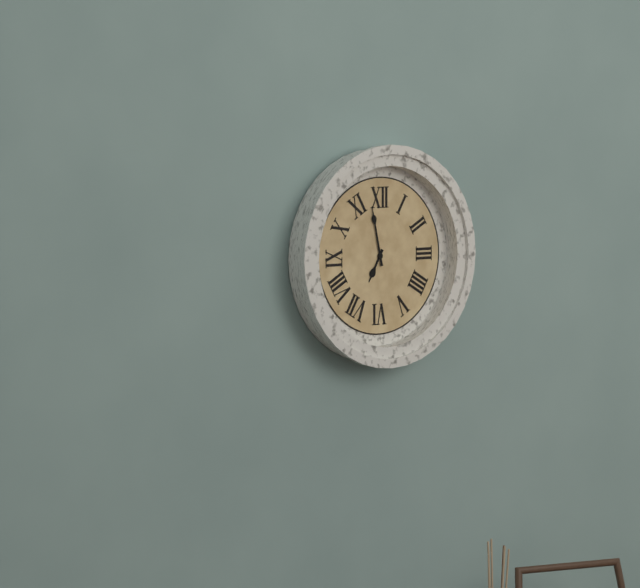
6.58
